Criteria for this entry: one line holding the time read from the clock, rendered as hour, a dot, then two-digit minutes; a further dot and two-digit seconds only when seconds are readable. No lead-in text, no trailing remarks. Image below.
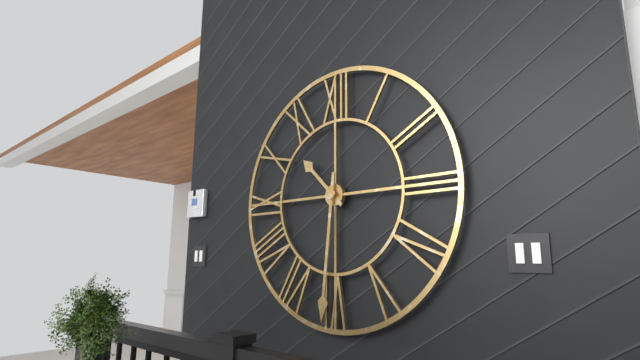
10.31
